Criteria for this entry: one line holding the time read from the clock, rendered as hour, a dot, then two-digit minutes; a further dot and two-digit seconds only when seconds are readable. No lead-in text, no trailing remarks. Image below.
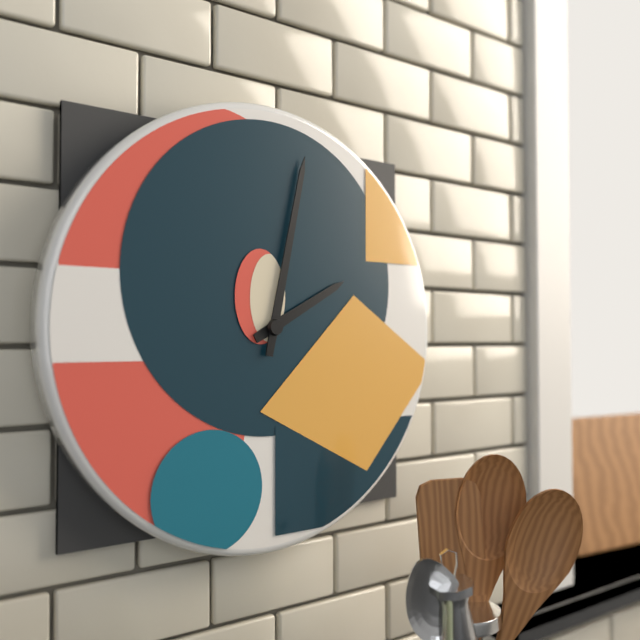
2.02
